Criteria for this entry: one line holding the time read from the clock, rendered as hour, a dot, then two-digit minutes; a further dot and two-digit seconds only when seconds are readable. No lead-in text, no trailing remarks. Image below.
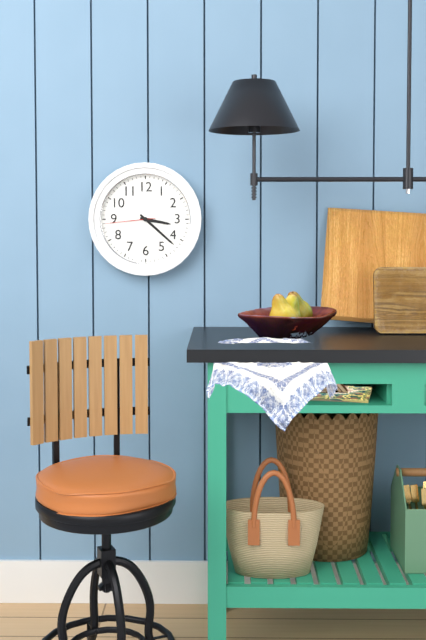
3.22.44
